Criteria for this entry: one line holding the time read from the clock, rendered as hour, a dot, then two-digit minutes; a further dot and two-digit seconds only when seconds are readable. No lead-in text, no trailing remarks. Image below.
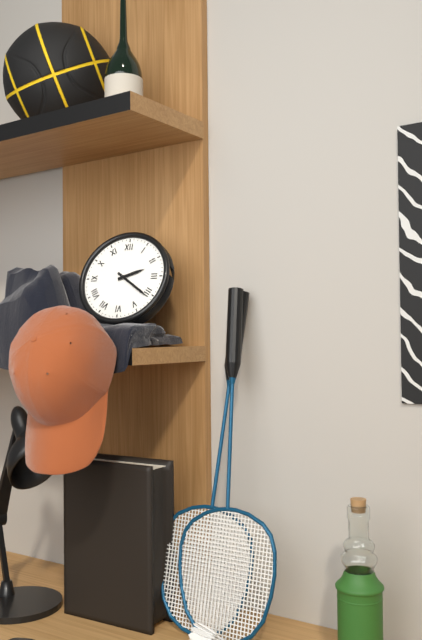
2.21
